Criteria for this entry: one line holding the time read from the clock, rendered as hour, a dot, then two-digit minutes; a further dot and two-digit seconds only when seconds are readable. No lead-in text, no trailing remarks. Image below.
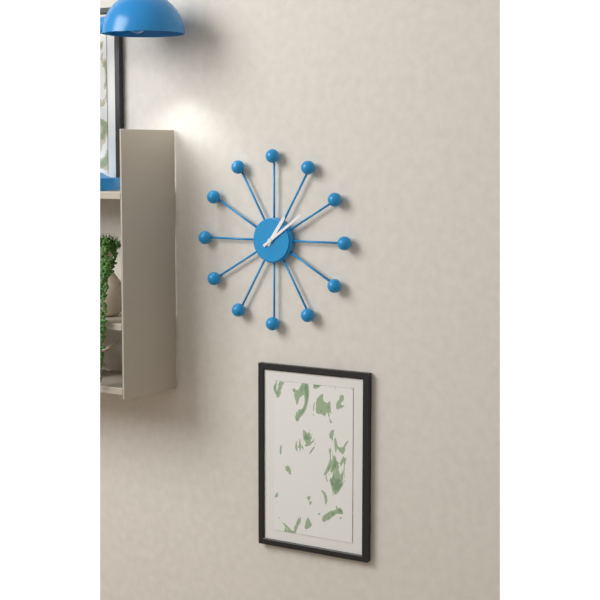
1.09
